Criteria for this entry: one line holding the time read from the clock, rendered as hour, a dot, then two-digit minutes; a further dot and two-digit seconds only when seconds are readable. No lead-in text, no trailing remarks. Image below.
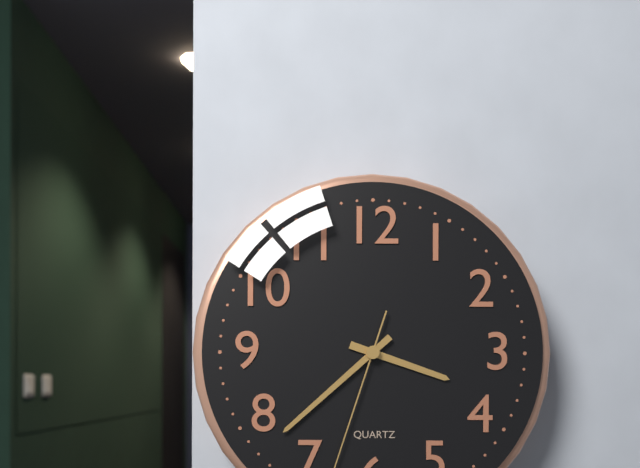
3.38
